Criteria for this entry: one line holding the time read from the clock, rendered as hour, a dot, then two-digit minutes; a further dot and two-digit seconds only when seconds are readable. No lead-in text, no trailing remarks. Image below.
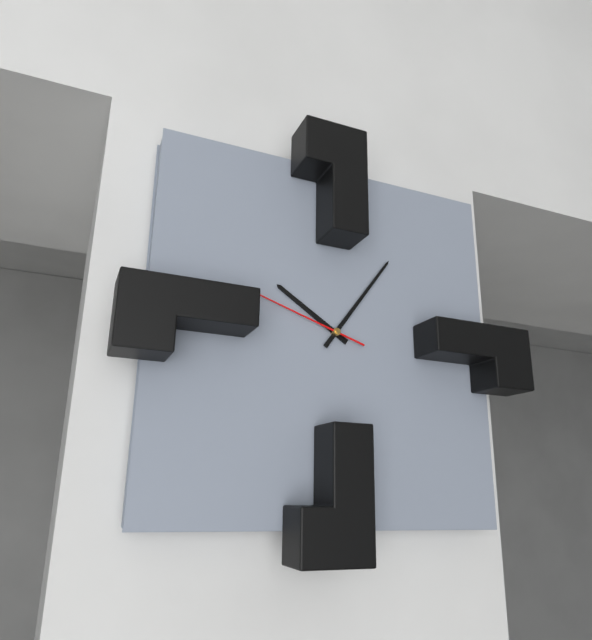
10.06.48
